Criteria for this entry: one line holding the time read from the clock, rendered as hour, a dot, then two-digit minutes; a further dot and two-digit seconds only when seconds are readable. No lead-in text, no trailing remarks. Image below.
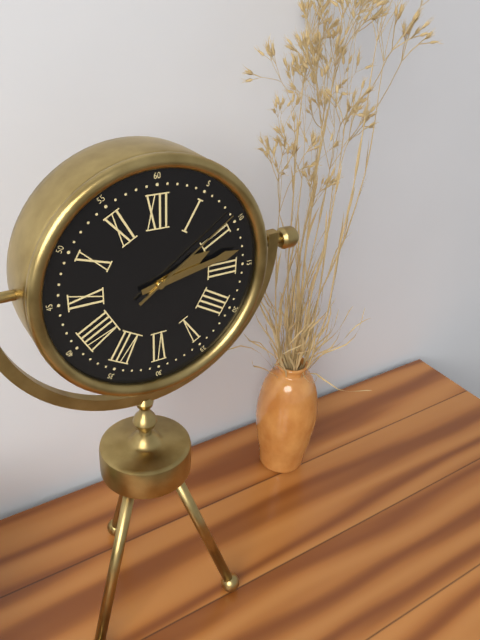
2.13.09
